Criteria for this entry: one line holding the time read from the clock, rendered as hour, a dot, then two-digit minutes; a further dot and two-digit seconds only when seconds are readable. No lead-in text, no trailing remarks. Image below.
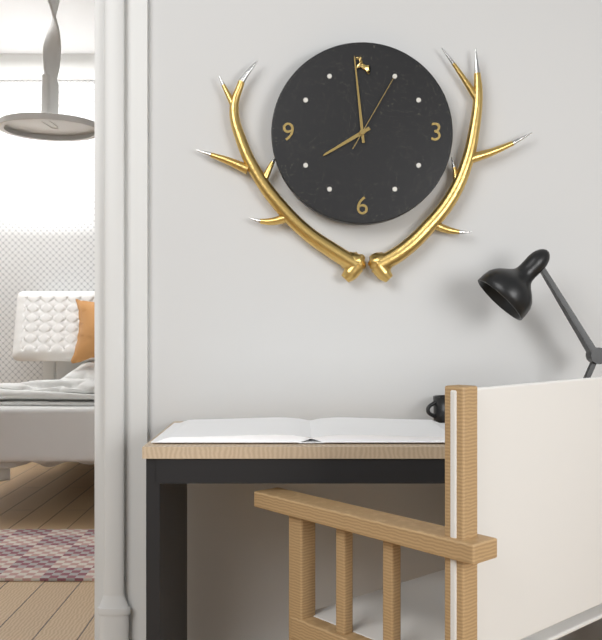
7.59.05
